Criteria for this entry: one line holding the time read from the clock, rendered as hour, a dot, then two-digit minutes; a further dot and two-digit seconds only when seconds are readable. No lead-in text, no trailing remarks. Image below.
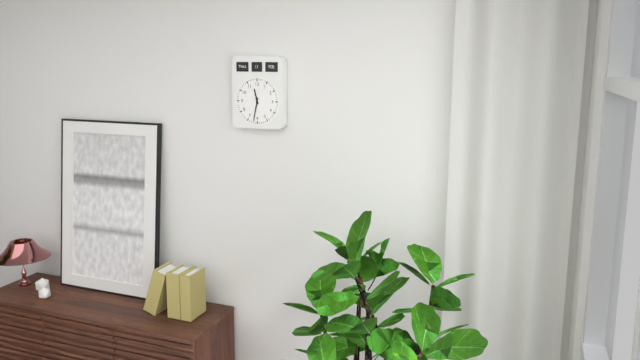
11.32
